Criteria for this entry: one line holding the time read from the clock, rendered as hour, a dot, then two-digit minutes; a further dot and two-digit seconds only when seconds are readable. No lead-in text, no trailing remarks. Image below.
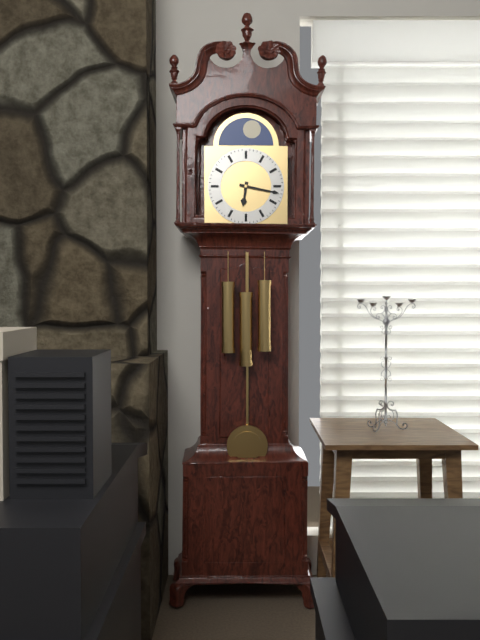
6.17
